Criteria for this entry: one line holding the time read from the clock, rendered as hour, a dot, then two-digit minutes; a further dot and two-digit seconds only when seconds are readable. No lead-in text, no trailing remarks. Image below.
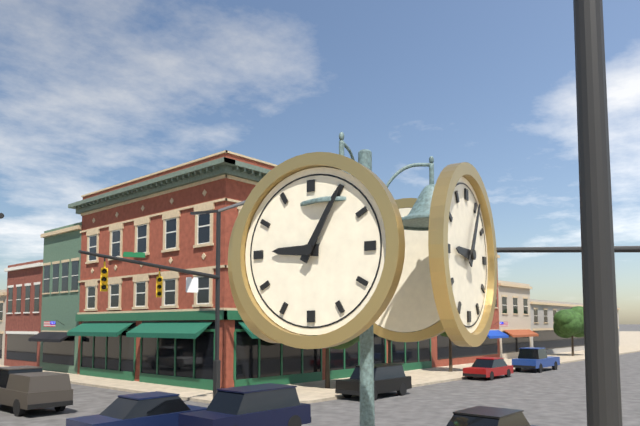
9.05
